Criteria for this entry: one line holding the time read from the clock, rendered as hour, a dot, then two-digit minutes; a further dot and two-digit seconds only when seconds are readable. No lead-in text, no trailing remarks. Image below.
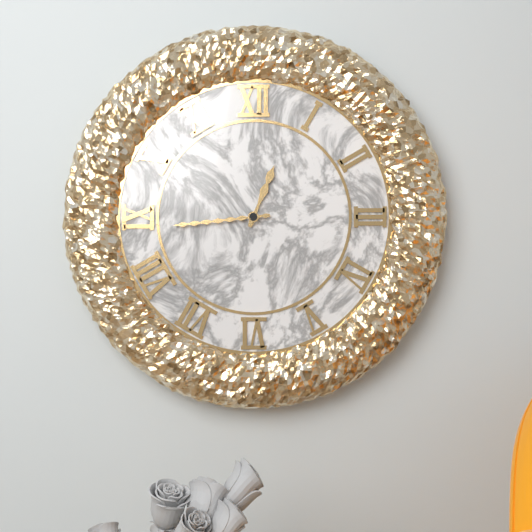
12.44
